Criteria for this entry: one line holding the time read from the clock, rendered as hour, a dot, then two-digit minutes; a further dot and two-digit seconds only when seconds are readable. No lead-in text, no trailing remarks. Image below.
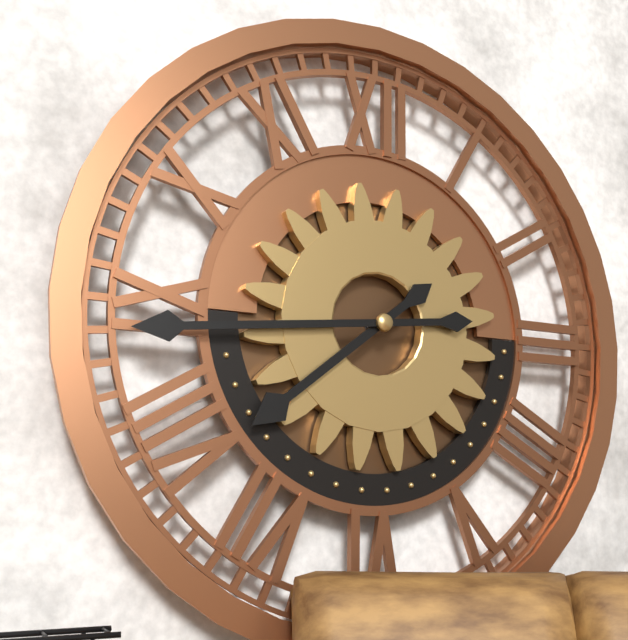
7.44
